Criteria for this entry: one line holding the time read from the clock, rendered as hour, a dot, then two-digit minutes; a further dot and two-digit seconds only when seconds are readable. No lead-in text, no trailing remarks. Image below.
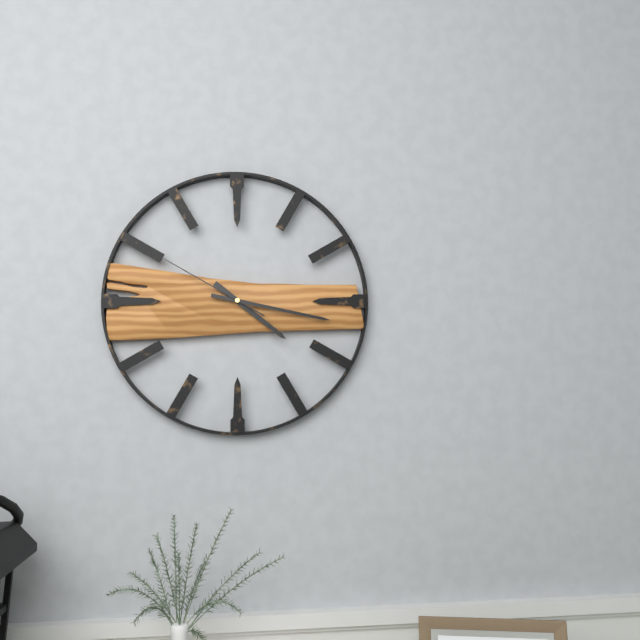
4.17.50
